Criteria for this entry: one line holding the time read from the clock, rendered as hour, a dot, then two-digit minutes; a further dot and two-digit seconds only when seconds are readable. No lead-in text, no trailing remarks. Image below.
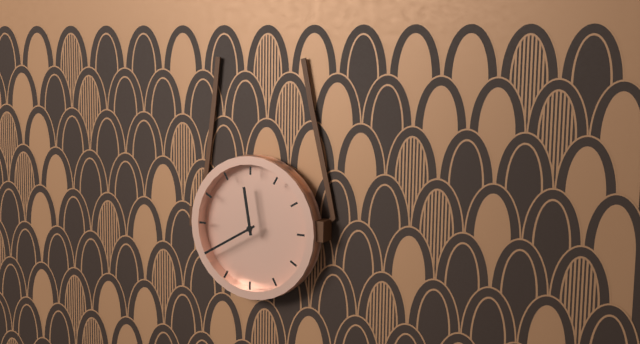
11.40
